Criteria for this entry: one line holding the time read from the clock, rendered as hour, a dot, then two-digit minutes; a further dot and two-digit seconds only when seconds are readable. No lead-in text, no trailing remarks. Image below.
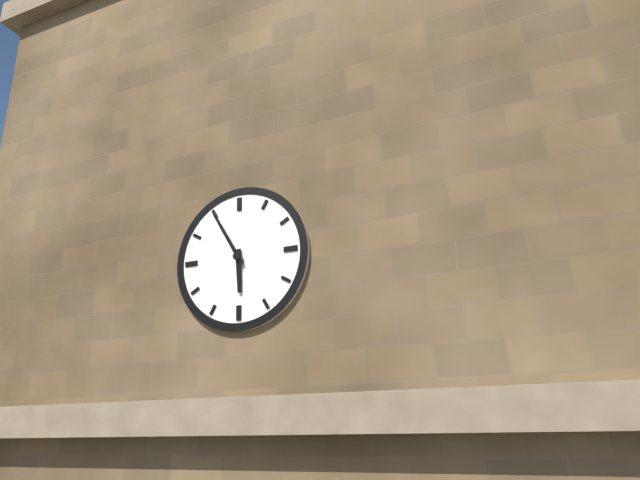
5.55
